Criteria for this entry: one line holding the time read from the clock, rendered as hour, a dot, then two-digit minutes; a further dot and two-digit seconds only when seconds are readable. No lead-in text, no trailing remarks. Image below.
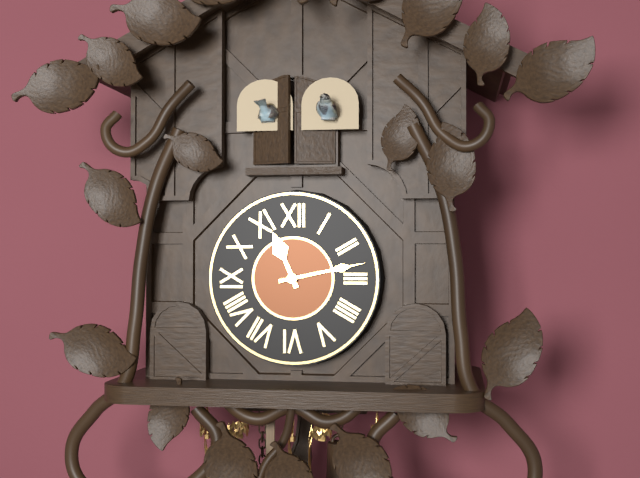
11.13
